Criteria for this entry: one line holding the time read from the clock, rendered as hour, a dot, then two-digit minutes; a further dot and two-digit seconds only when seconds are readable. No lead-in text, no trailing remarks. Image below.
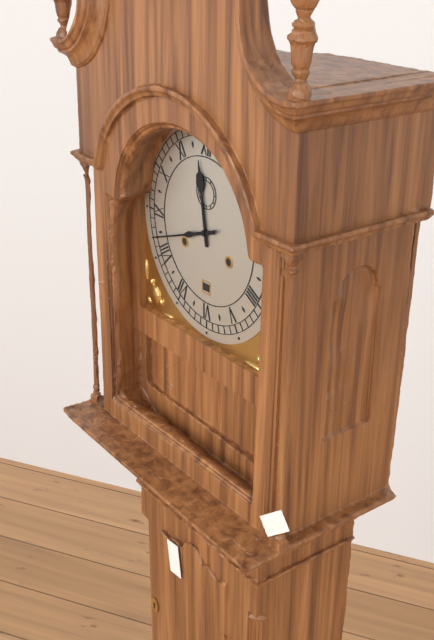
11.42
